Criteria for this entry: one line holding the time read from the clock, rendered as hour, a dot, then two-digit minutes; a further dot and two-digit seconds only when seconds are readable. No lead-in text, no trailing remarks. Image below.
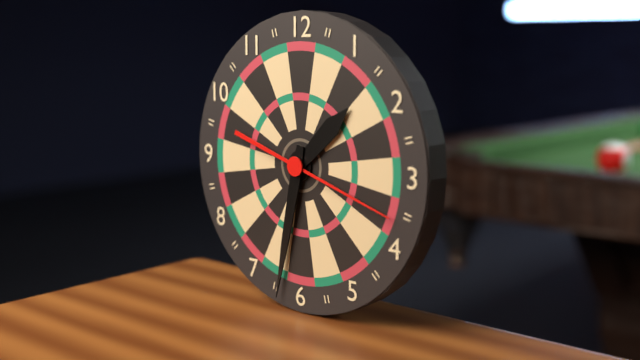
1.32.18
